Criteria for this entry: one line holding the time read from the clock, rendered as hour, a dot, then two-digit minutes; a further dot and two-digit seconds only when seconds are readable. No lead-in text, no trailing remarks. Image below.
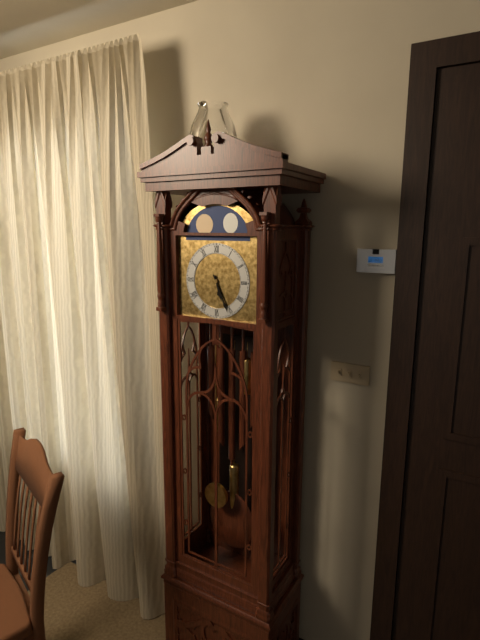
5.26
